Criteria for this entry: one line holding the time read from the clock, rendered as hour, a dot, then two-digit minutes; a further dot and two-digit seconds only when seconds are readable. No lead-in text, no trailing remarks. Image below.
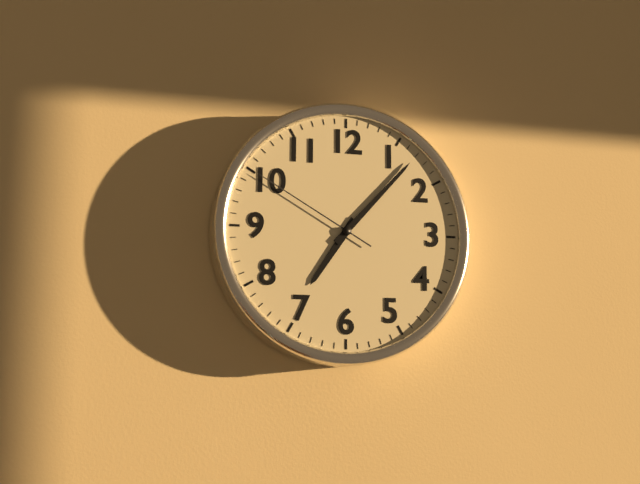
7.07.50
